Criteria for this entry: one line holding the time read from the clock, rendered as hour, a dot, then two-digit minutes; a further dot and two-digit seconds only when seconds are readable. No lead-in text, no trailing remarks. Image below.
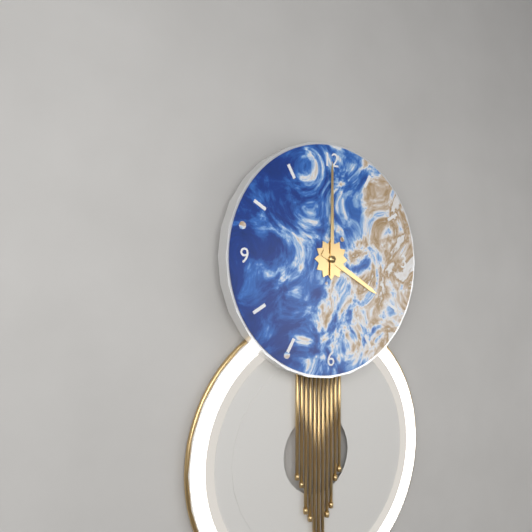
4.00
